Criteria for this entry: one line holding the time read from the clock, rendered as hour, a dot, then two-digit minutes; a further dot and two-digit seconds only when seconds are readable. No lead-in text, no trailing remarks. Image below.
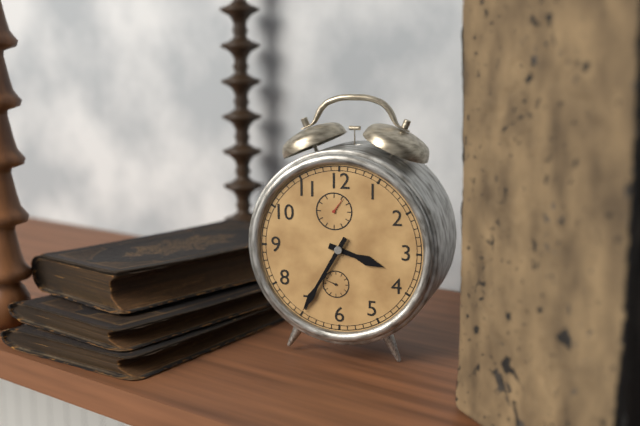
3.35
